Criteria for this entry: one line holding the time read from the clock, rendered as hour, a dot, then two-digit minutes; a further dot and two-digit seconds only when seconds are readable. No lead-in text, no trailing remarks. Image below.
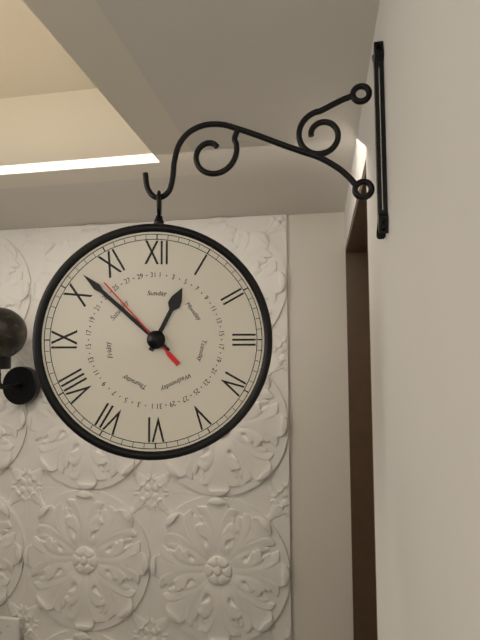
12.52.53
